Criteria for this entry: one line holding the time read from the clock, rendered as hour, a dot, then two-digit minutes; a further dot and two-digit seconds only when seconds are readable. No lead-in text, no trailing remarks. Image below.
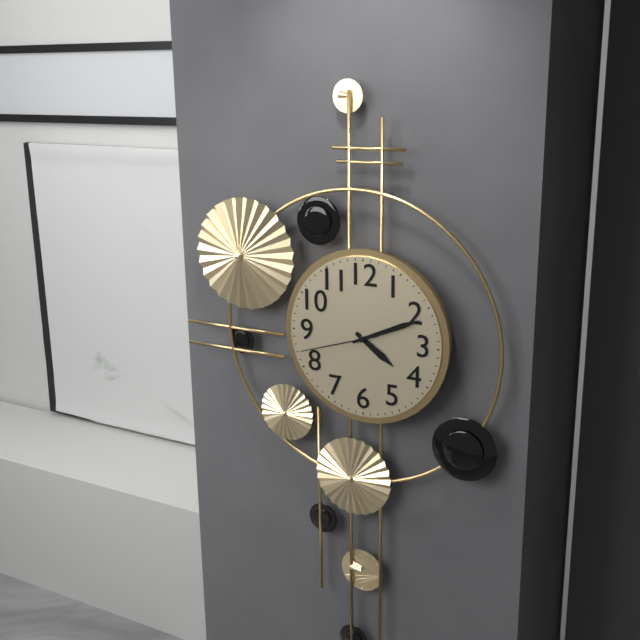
4.11.42
